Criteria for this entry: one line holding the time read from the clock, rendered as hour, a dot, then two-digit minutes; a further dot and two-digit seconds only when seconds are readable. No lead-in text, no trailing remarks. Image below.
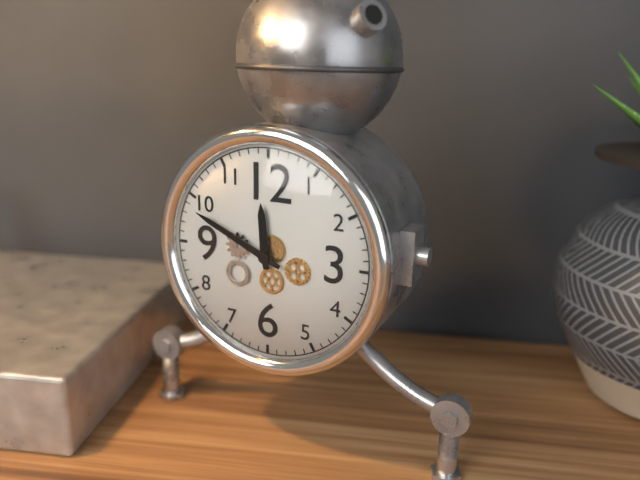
11.49
